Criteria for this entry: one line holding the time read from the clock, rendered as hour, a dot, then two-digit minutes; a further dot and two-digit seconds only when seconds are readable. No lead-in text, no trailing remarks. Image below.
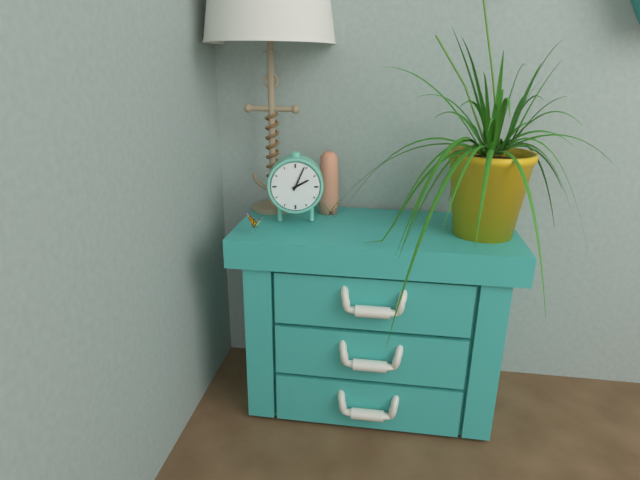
2.04
